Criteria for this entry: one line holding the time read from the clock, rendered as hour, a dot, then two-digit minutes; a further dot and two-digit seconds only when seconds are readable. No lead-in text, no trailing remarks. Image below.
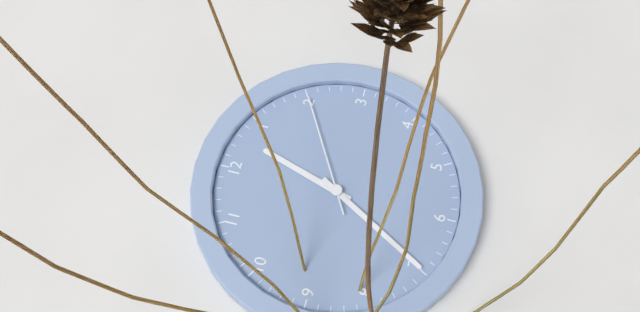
12.35.10
